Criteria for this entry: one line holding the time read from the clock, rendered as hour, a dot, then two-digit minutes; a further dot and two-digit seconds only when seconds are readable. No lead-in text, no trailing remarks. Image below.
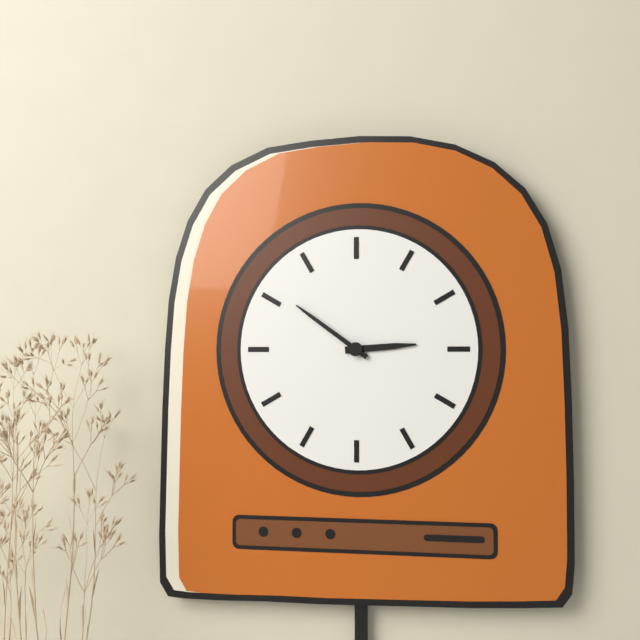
2.51
